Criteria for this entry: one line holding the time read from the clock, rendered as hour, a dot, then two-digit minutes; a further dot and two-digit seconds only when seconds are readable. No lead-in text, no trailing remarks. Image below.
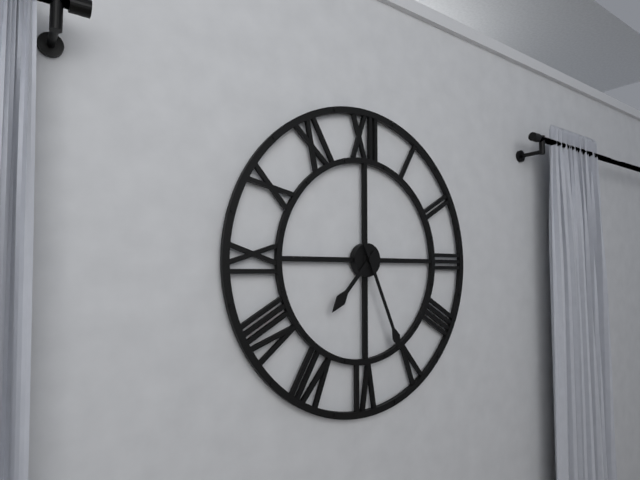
7.26
